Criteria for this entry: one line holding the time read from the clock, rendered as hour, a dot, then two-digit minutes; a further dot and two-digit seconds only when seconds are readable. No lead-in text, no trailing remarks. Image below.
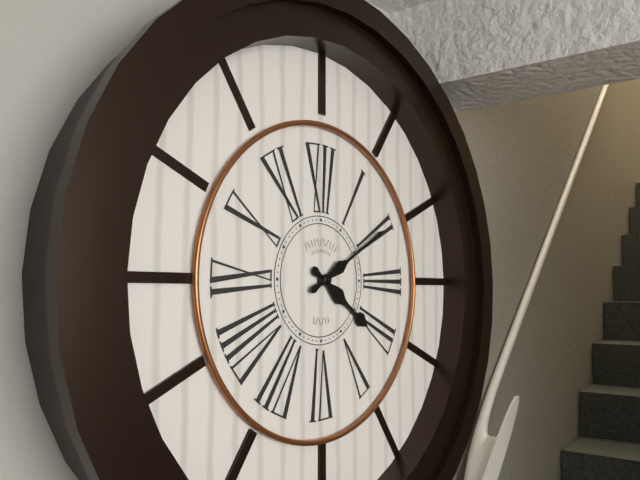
4.10
